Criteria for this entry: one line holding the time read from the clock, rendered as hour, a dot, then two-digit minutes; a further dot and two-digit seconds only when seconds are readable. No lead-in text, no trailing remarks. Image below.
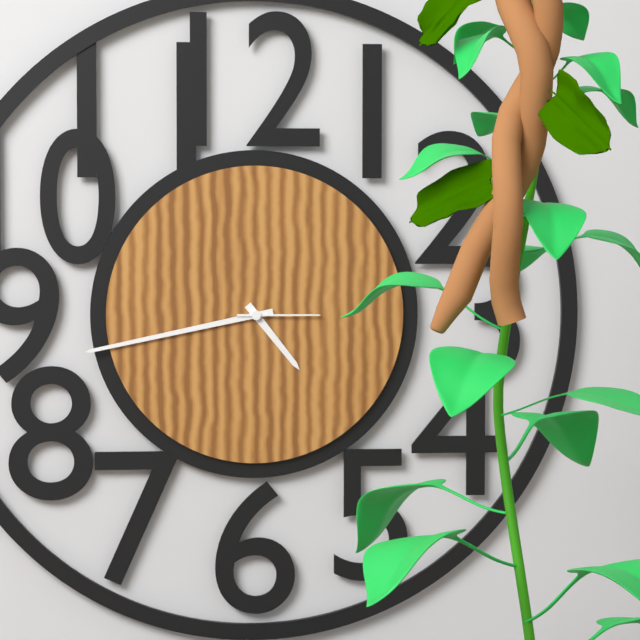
4.43.15
